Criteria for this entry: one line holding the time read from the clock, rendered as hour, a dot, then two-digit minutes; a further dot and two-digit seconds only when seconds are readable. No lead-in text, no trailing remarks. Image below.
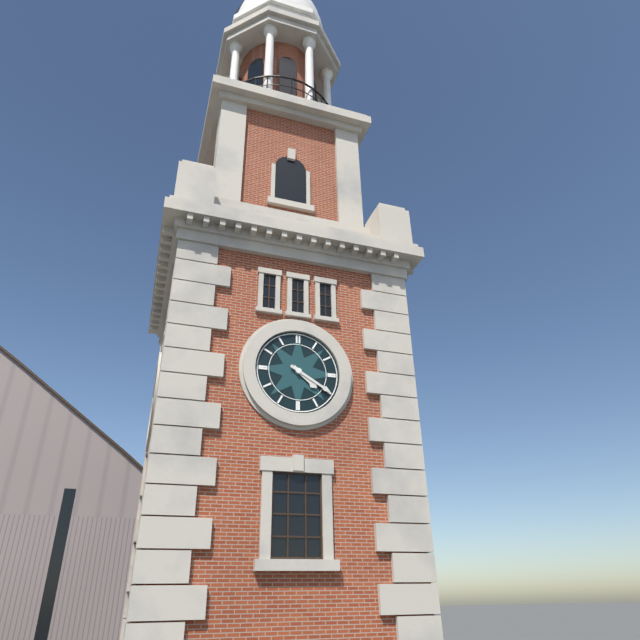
4.20
